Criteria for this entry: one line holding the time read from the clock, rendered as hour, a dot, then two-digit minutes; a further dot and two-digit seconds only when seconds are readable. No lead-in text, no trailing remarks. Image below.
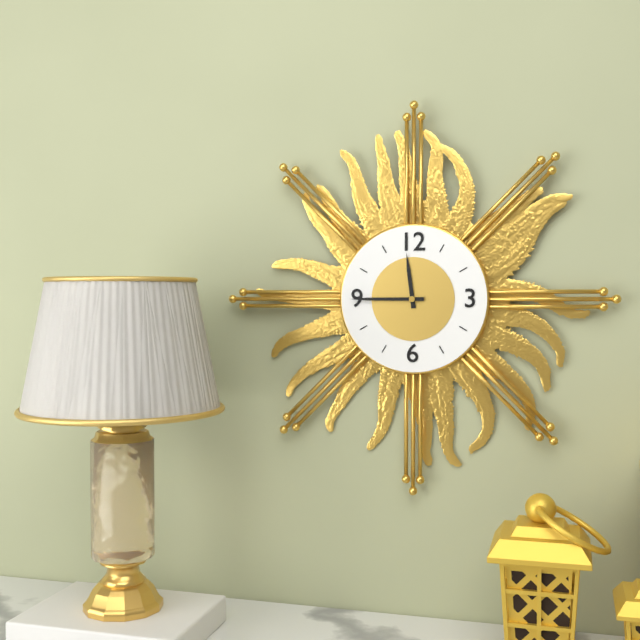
11.45
